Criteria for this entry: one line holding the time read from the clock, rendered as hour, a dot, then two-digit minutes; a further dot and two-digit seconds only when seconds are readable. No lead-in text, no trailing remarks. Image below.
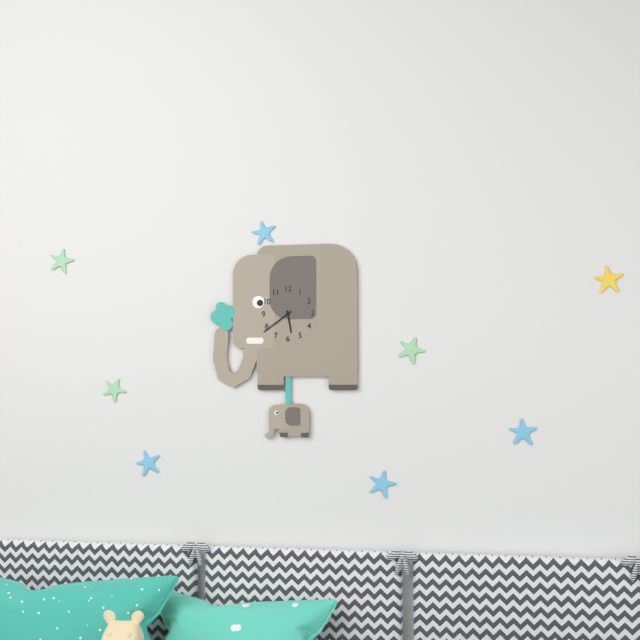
5.39
